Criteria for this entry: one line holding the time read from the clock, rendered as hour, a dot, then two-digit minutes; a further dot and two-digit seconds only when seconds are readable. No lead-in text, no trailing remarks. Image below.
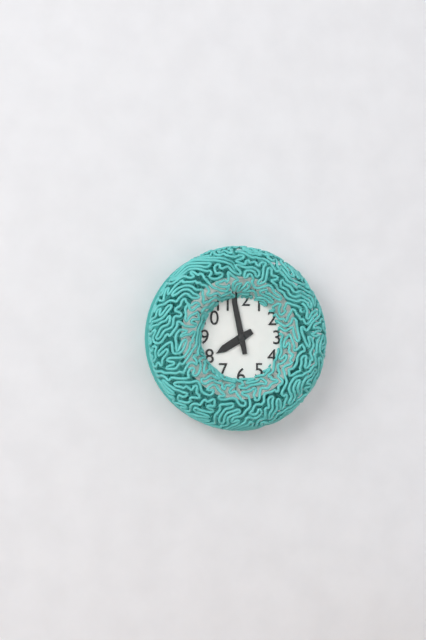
7.58
